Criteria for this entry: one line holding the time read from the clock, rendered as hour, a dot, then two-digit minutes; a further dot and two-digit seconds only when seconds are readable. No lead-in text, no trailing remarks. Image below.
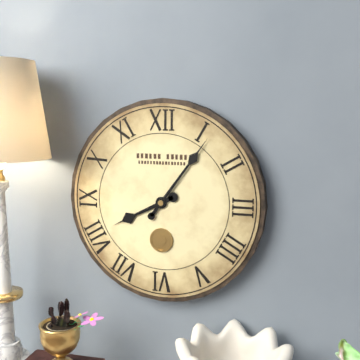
8.06
